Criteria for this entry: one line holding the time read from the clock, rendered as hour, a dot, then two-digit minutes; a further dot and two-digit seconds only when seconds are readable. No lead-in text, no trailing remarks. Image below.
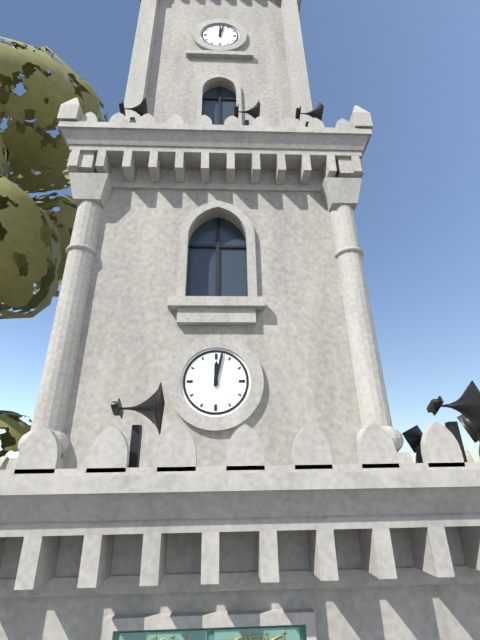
12.02
